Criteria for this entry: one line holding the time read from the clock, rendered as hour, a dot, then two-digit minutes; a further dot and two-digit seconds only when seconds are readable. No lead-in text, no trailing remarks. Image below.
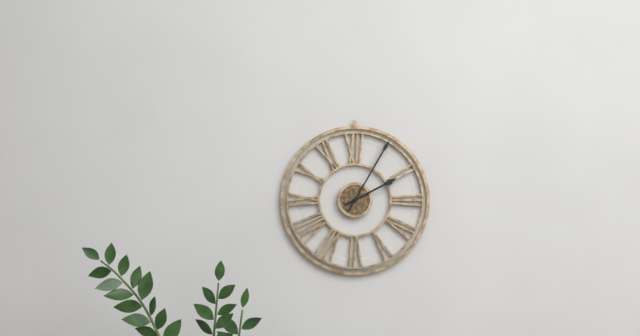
2.05
